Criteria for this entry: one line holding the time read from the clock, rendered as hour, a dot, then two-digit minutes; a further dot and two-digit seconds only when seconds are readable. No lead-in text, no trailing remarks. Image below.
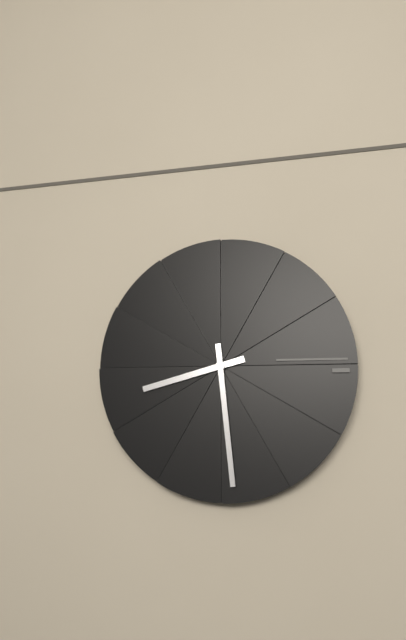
8.29
